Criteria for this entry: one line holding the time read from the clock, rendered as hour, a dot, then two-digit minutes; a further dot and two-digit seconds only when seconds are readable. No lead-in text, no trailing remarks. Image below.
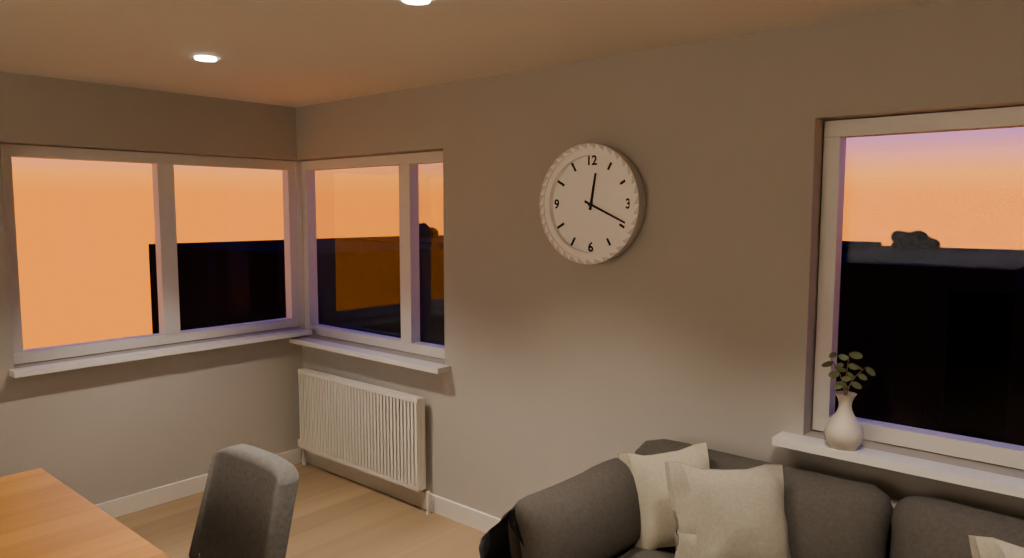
12.19
